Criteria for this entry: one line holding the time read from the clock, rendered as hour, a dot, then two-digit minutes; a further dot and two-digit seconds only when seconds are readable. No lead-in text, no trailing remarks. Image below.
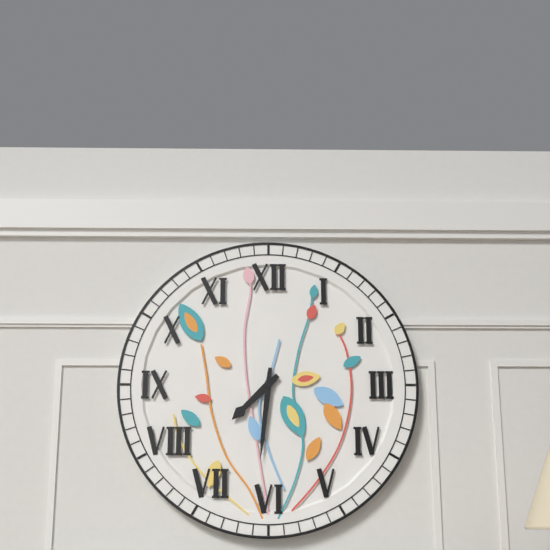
7.31
